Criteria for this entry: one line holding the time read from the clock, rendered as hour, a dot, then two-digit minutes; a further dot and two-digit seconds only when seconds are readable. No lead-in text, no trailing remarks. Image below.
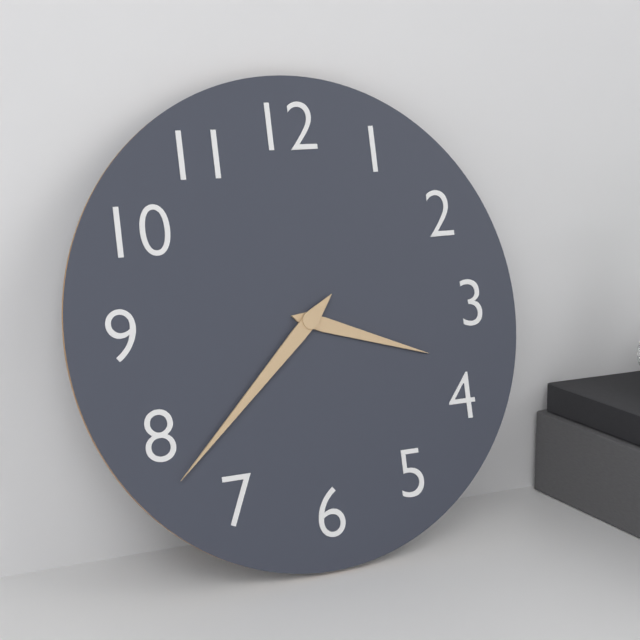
3.38
